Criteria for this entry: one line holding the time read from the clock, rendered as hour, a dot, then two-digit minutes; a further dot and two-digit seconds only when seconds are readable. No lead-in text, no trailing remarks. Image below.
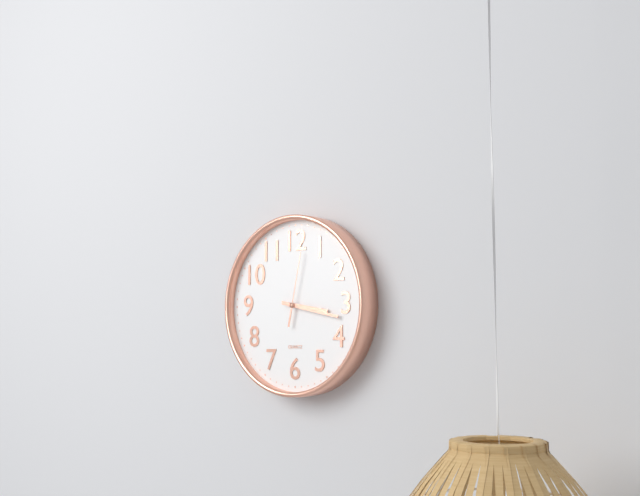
3.17.02
